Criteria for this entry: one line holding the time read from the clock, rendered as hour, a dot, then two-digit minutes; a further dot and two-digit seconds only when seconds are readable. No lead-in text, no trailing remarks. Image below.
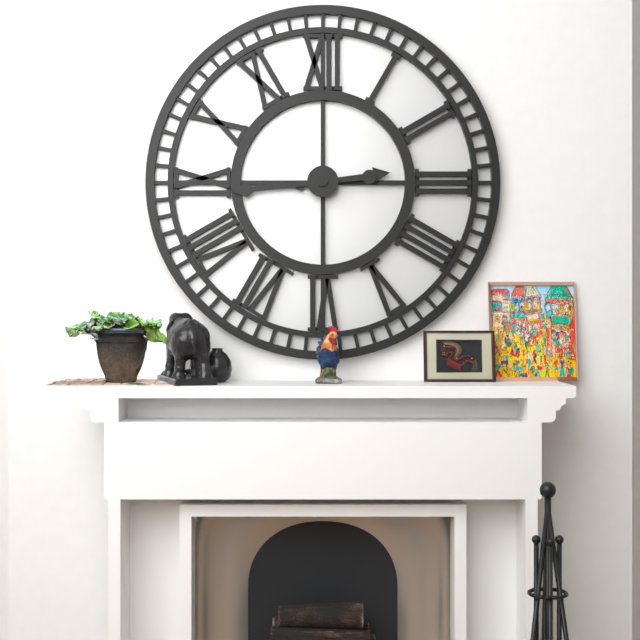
2.44
